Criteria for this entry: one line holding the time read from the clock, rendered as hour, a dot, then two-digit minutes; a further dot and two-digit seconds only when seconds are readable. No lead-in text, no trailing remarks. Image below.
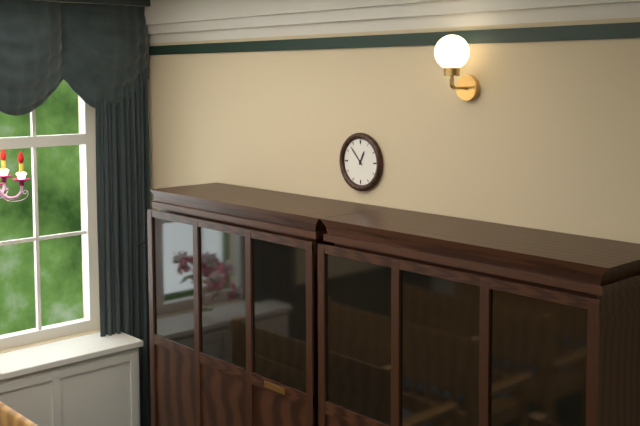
12.53
